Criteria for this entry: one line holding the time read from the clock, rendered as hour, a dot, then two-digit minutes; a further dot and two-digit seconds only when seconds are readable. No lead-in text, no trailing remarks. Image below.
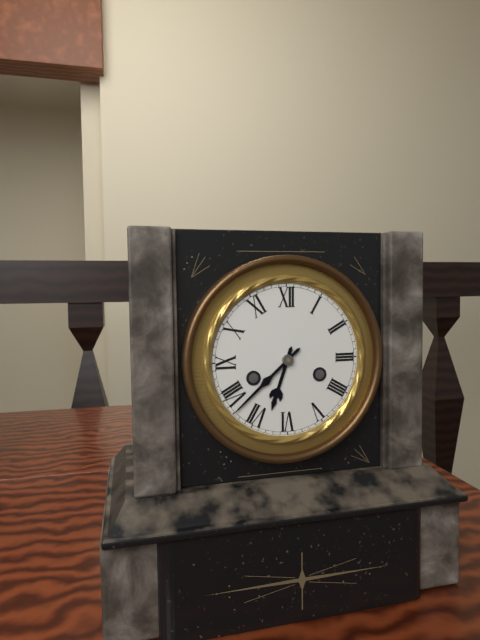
6.38
